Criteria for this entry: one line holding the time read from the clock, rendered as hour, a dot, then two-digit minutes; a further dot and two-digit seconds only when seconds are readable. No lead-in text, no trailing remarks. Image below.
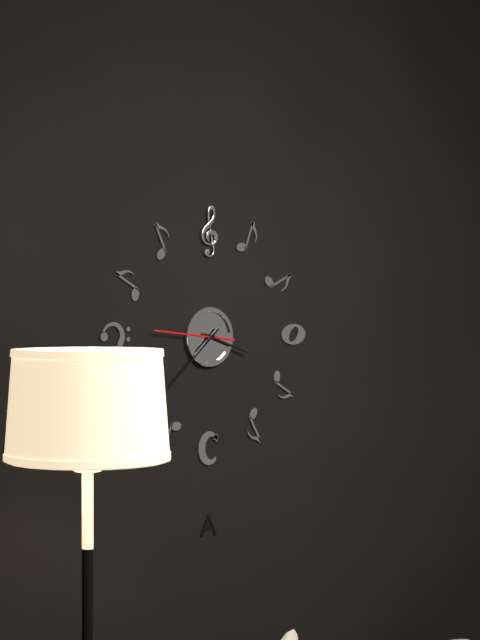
3.38.46
